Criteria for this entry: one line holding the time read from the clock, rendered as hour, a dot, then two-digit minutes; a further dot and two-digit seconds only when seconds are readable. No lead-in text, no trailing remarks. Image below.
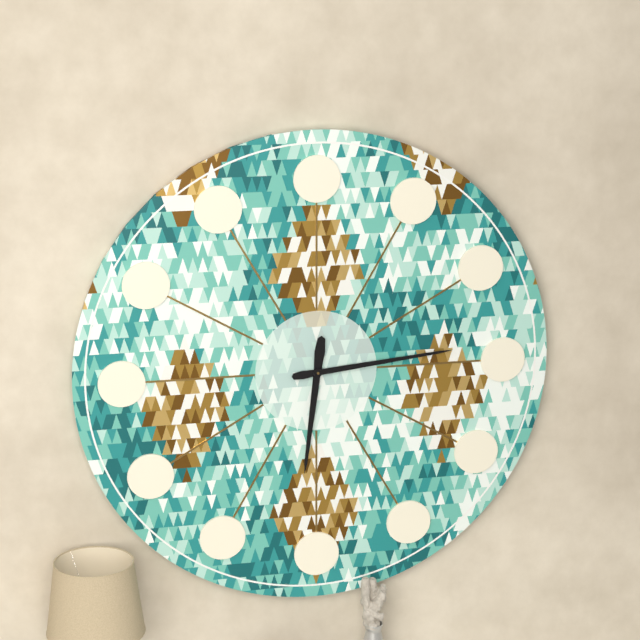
6.14
